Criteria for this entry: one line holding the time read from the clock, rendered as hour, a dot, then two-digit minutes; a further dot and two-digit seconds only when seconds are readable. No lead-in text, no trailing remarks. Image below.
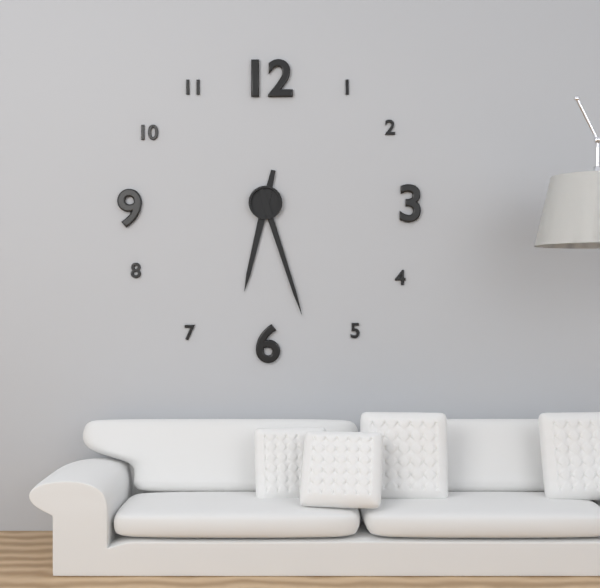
6.27
